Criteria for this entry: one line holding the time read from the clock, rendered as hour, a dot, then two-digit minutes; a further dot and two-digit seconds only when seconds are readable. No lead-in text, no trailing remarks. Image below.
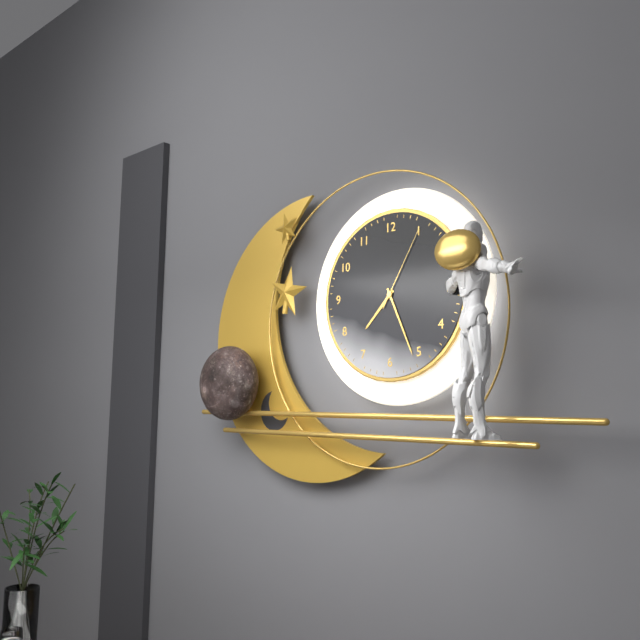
7.26.05
